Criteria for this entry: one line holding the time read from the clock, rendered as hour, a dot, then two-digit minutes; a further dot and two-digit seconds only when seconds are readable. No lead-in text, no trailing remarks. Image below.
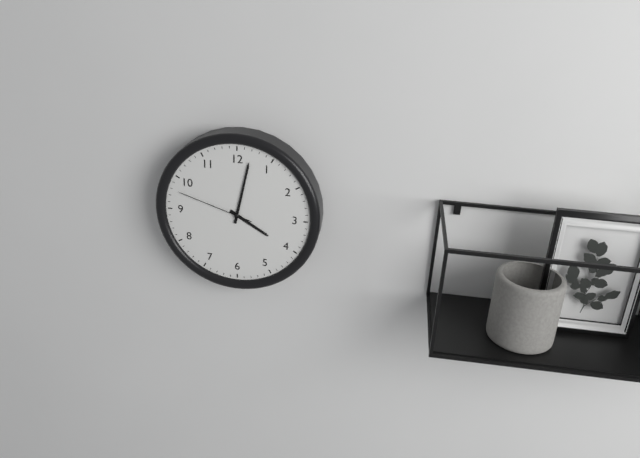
4.02.48
